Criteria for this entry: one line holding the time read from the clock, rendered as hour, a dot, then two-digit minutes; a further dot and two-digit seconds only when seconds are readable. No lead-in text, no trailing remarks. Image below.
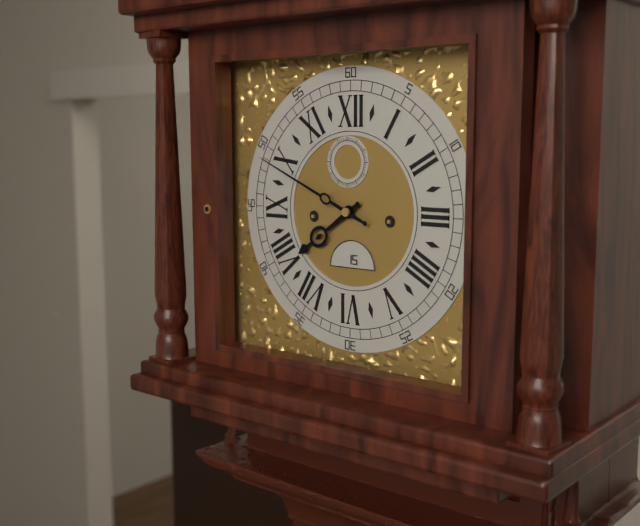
7.49
